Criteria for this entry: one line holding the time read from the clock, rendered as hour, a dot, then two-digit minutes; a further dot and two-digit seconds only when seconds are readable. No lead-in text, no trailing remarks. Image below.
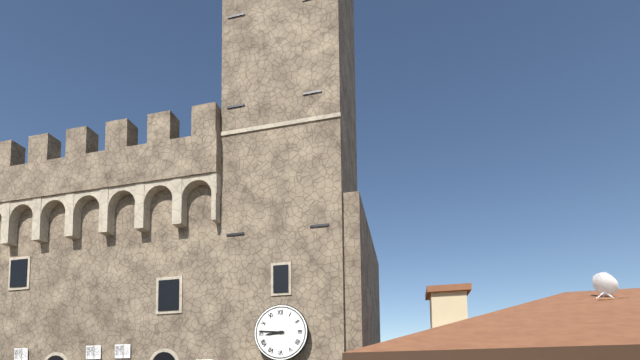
8.46
